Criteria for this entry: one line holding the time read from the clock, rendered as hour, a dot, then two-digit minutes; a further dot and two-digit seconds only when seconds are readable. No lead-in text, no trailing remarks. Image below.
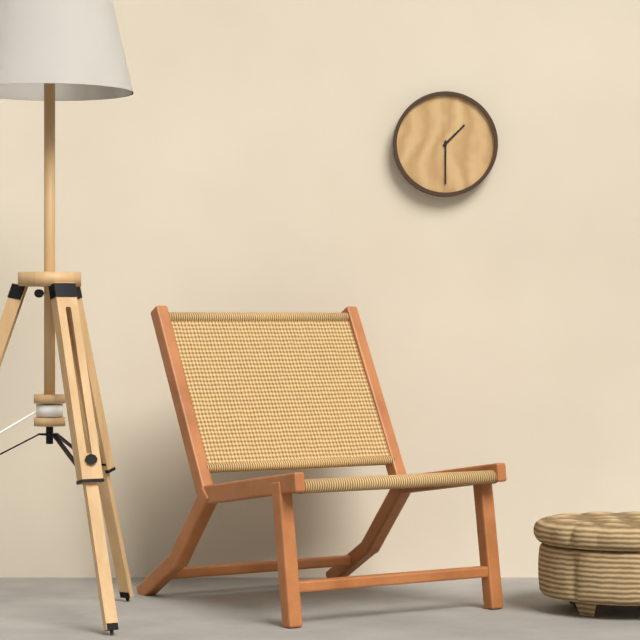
1.30
